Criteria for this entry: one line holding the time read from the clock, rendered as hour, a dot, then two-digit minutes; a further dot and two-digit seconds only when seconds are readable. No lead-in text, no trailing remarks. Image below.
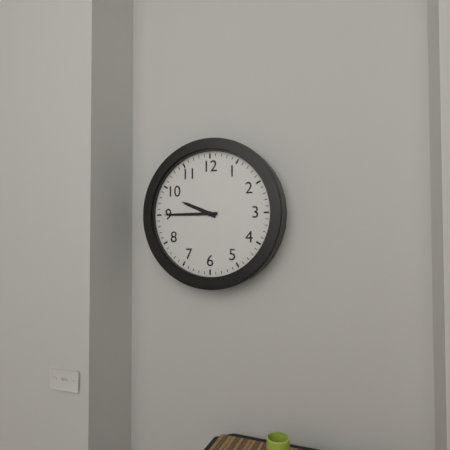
9.45
